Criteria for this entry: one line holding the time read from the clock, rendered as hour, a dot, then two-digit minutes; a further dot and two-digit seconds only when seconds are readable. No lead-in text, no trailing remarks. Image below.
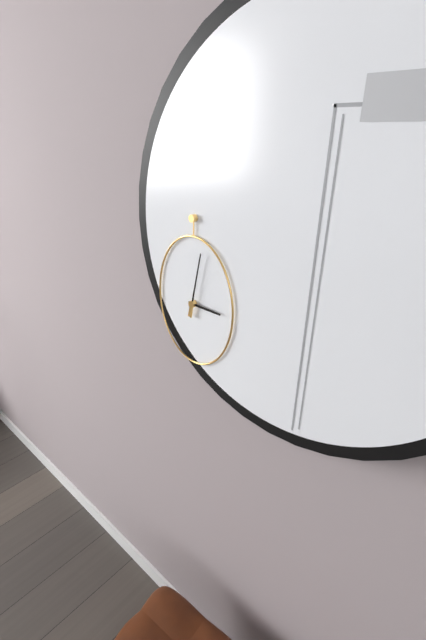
3.02
